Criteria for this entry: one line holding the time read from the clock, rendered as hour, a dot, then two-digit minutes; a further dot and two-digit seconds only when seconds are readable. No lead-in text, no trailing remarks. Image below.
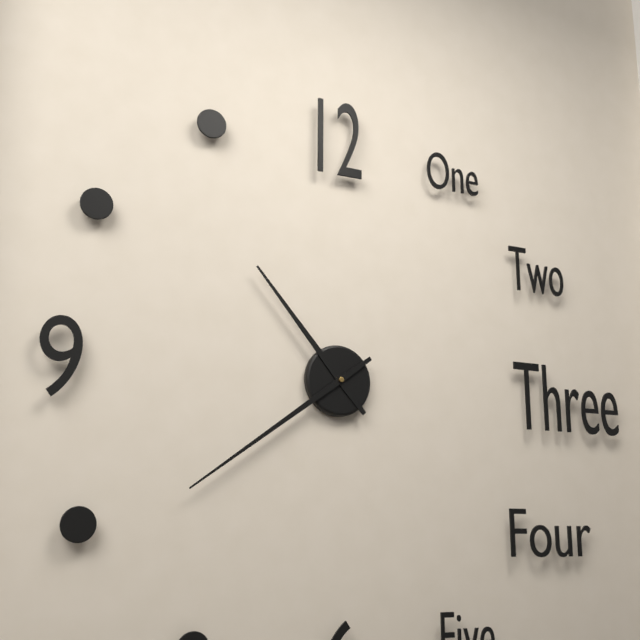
10.39
